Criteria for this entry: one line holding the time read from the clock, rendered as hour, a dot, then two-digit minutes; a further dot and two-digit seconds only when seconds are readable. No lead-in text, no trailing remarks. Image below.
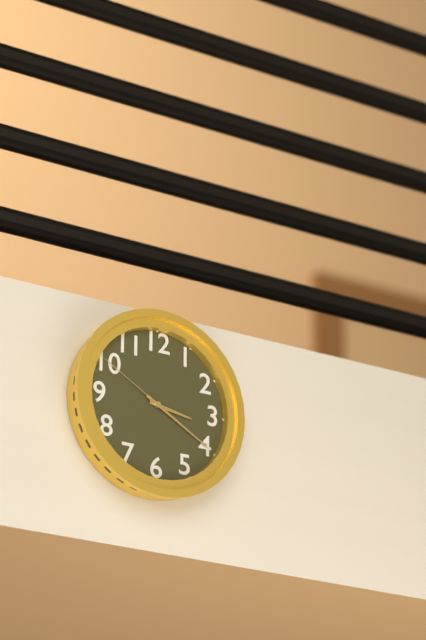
3.20.50
